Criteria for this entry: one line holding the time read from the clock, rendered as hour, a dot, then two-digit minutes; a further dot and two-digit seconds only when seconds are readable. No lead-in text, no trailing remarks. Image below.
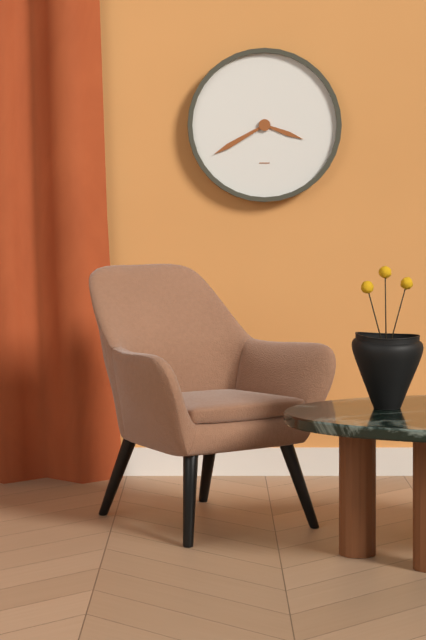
3.40
